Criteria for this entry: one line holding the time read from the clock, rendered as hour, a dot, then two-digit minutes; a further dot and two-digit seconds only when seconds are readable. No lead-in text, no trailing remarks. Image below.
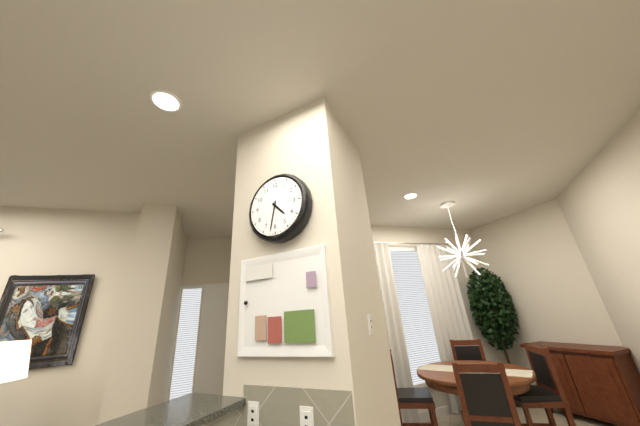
4.32
